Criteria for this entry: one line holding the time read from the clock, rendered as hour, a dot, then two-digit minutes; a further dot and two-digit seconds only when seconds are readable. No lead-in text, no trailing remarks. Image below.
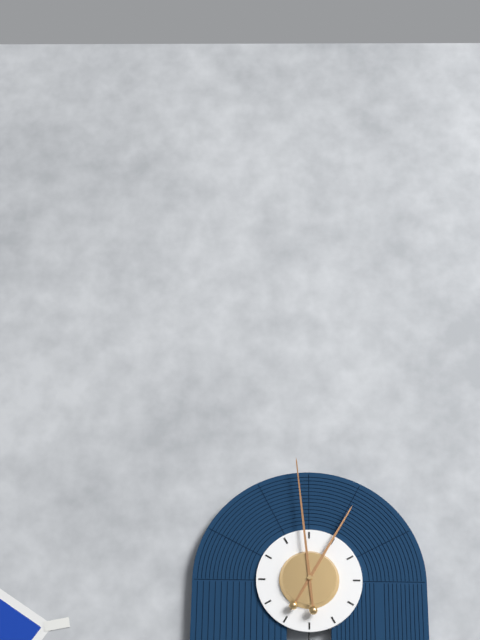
12.59
